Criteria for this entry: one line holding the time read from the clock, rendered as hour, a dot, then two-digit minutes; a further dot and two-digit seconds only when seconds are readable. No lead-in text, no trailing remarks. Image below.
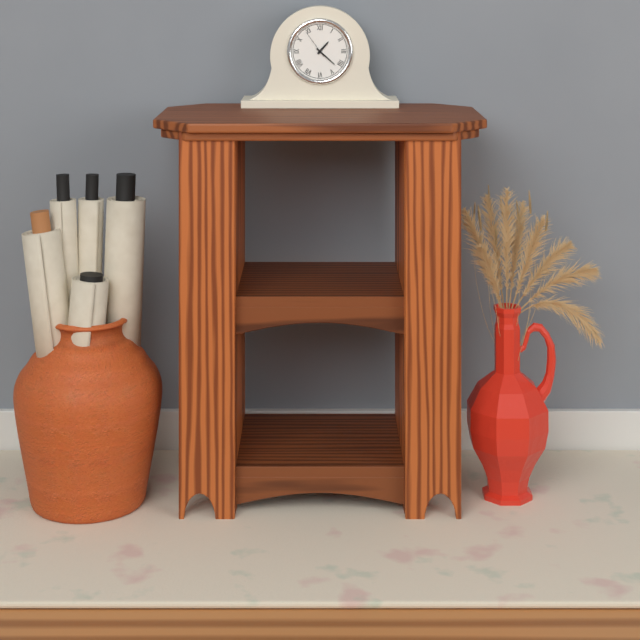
1.22
